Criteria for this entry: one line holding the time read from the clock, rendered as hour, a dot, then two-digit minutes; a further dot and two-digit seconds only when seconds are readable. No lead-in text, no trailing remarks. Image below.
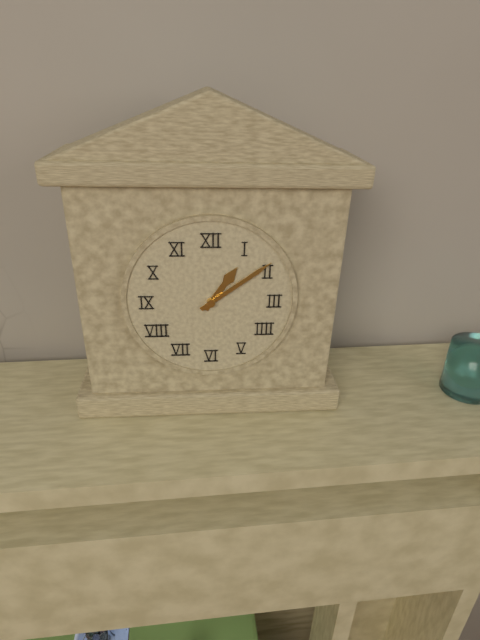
1.09
